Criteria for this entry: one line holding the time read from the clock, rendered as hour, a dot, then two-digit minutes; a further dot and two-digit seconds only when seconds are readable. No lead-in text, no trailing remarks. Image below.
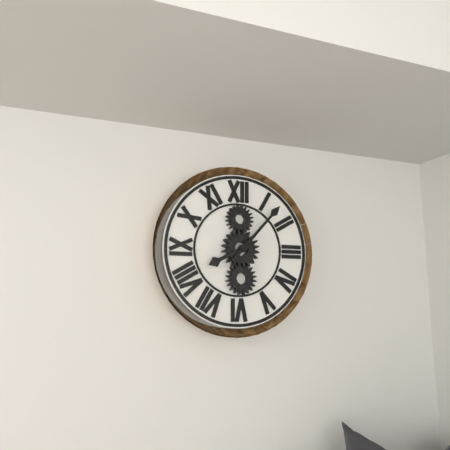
8.07
